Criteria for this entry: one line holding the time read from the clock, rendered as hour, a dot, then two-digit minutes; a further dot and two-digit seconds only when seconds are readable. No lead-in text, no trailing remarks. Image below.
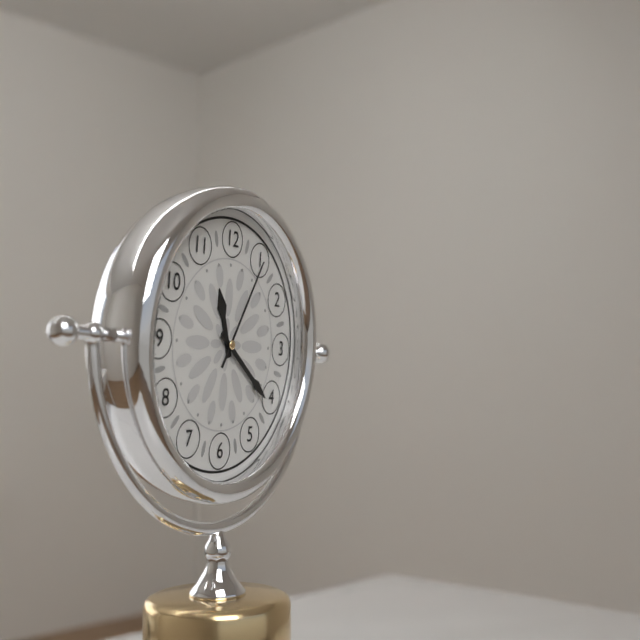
11.21.05
